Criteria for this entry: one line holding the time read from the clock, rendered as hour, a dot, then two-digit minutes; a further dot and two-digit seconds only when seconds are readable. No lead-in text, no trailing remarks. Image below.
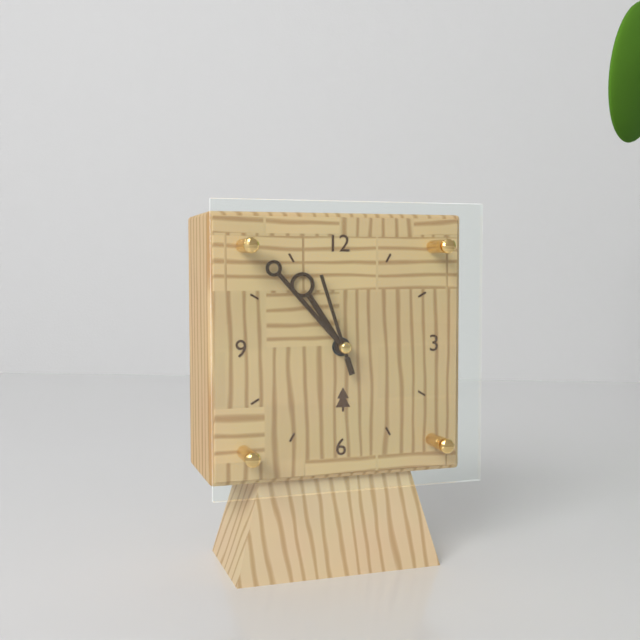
10.53.57
